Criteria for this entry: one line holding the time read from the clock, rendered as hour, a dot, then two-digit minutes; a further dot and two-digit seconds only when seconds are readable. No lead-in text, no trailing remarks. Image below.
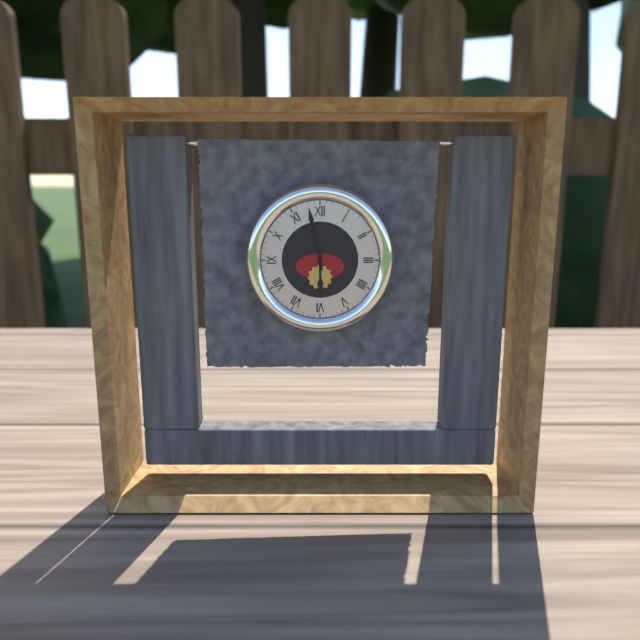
5.58
